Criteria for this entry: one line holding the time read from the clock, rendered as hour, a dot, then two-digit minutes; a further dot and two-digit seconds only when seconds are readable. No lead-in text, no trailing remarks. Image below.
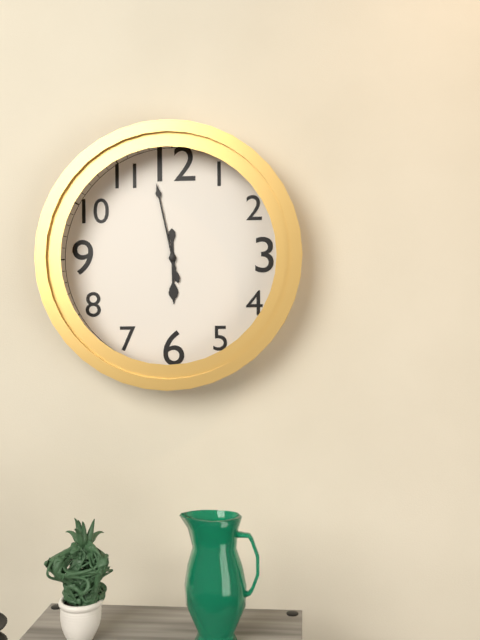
5.58
